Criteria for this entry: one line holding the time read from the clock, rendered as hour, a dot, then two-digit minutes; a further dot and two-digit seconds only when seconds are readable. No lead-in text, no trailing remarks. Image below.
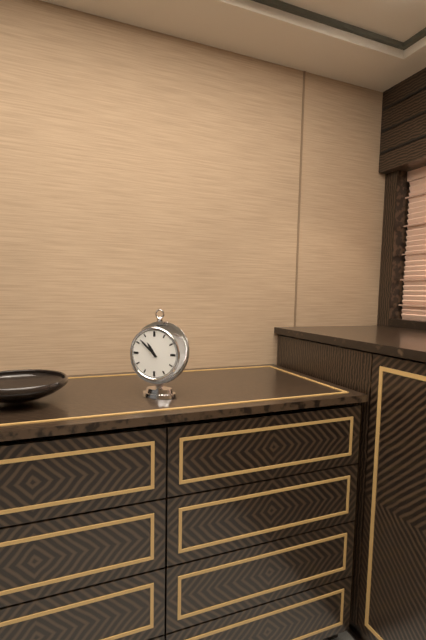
10.52
